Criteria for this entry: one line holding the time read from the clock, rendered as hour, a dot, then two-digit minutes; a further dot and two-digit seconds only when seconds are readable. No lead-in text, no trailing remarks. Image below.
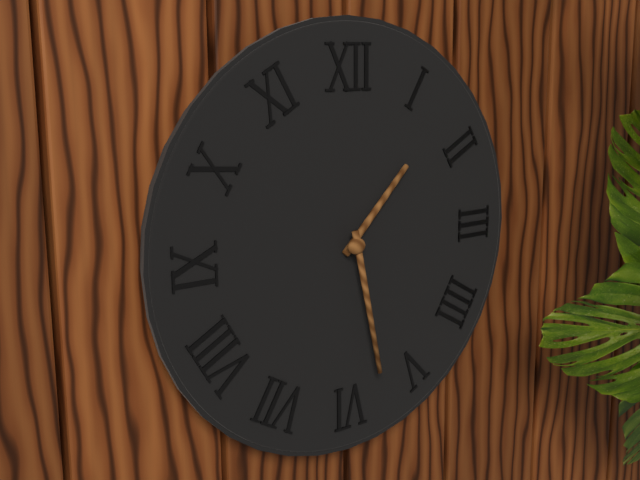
1.28
